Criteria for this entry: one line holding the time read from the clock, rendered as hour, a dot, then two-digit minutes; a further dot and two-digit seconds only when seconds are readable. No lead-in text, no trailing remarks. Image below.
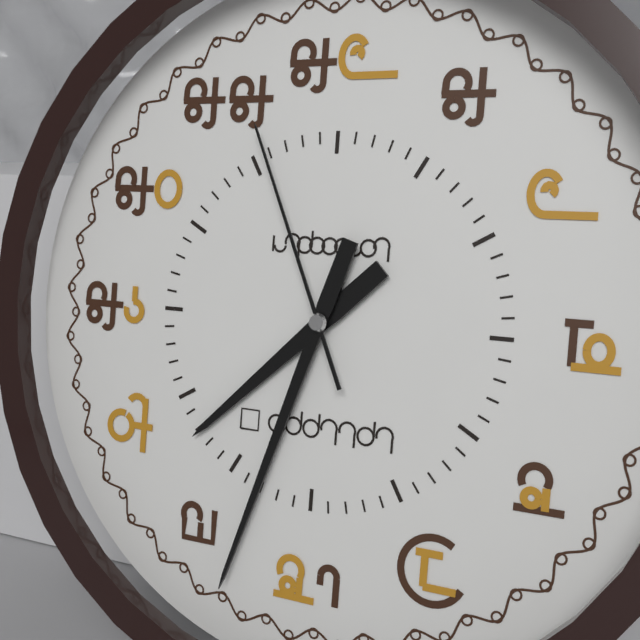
7.33.56
